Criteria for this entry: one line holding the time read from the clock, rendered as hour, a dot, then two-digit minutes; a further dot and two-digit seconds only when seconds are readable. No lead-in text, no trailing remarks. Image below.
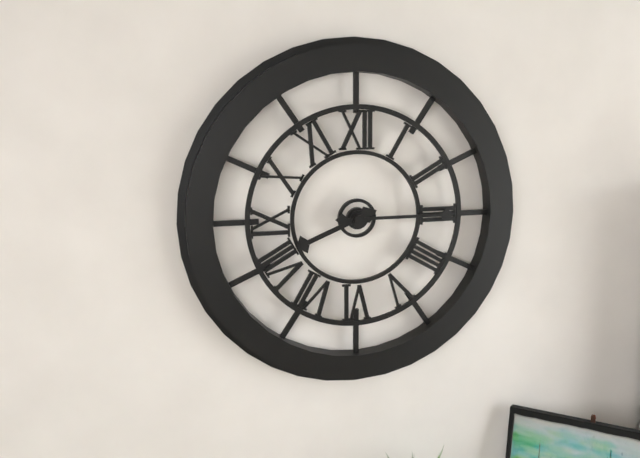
8.15
